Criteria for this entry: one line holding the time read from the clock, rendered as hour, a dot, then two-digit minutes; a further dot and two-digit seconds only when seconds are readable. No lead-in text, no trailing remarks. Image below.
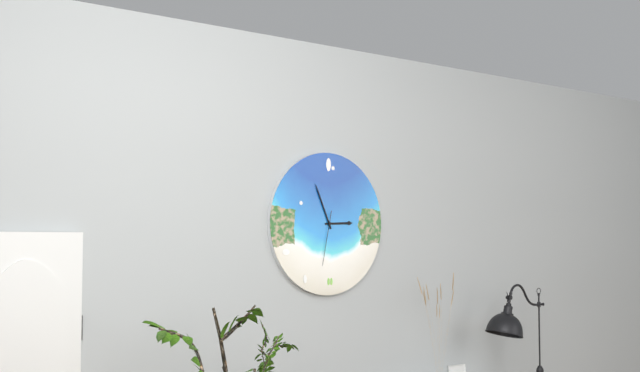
2.56.32
